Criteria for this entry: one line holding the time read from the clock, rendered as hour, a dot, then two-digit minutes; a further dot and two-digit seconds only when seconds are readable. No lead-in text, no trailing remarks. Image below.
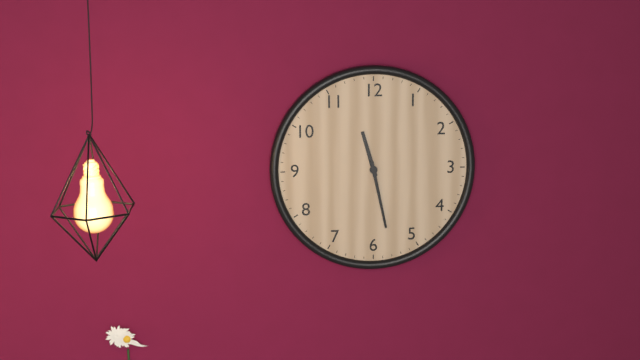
11.28
